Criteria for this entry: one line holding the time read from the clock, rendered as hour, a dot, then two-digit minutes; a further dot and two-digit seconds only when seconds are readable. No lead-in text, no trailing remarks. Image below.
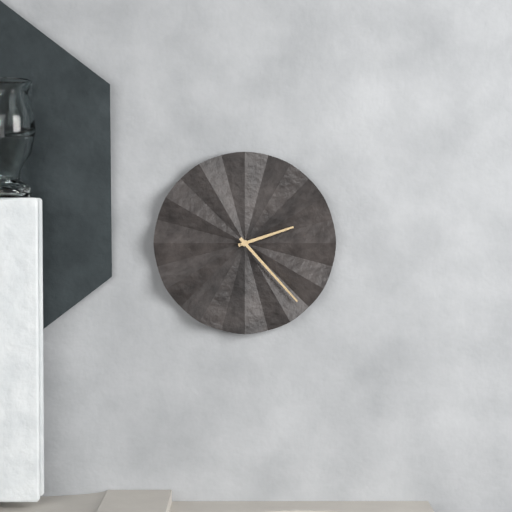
2.23
